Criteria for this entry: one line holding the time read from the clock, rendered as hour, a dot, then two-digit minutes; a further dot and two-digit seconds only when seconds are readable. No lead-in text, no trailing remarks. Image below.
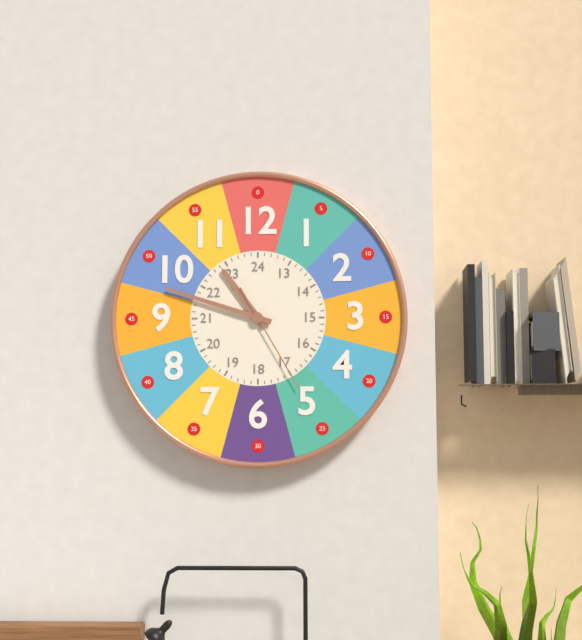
10.48.25
